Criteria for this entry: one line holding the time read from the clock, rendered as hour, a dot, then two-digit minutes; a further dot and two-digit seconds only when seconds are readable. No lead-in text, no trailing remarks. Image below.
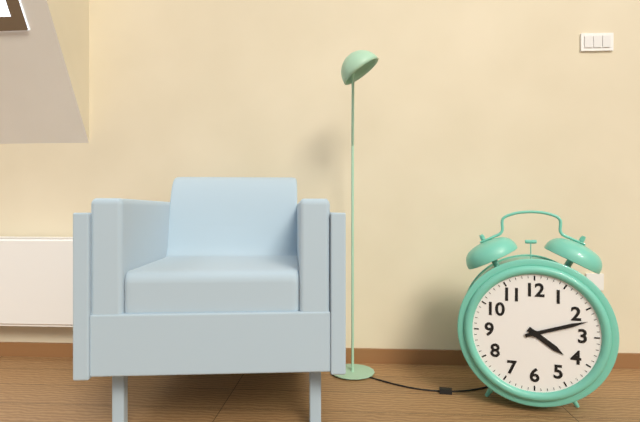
4.12
